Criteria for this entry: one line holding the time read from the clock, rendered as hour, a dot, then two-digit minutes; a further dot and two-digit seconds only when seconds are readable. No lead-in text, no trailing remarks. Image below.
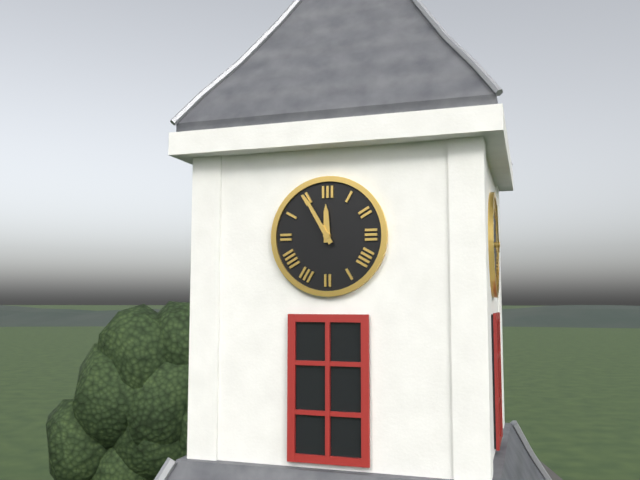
11.55
